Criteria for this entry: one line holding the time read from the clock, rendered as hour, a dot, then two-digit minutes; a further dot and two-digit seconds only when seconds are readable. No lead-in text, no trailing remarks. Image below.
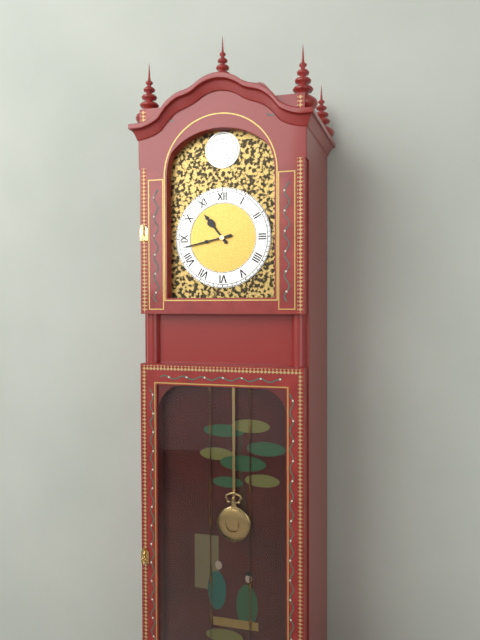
10.43
